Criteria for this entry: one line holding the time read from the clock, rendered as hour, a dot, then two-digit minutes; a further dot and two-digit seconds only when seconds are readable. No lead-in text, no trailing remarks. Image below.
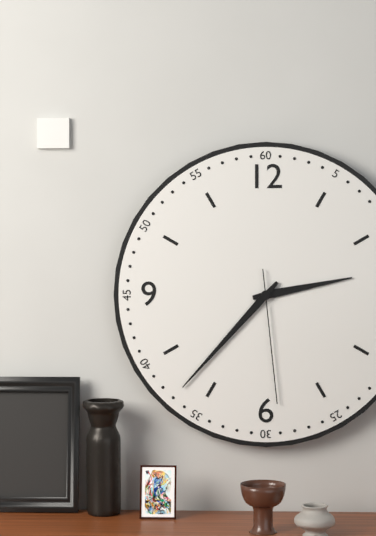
2.37.29
